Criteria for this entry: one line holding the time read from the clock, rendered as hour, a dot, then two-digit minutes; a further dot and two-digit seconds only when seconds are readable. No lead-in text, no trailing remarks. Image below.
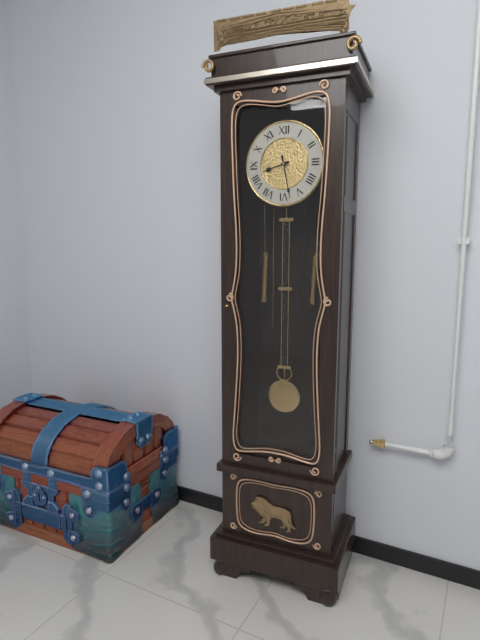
8.28
